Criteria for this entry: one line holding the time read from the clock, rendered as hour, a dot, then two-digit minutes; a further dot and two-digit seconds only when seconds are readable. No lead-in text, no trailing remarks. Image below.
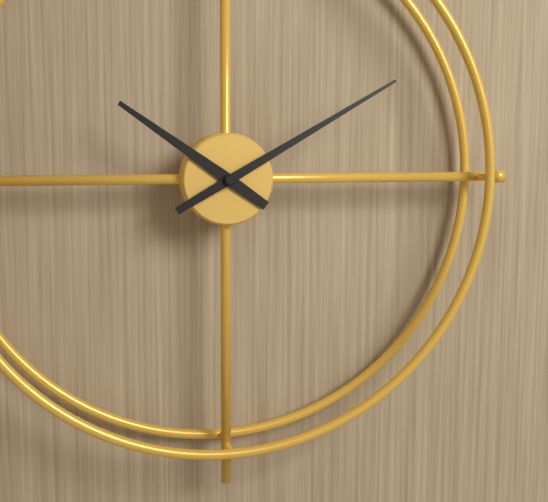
10.10
